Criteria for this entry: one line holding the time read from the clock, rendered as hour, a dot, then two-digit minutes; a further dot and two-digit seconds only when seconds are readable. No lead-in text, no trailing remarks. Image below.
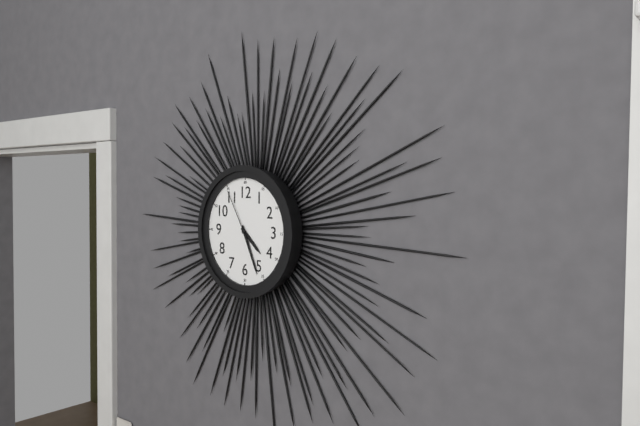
4.26.55
